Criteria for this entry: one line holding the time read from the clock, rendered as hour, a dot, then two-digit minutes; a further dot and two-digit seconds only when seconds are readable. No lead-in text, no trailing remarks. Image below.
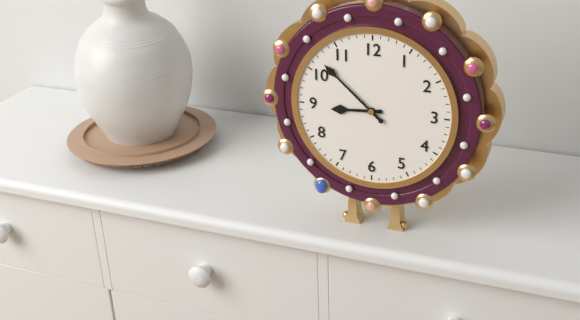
8.52
